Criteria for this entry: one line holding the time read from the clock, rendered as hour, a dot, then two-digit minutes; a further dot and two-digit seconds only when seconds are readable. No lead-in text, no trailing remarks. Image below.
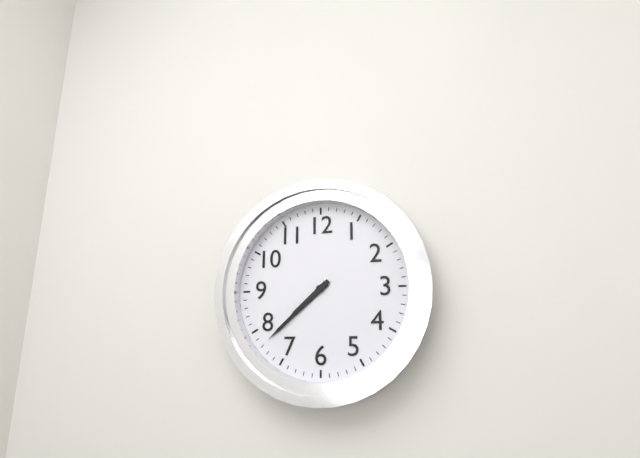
7.38
